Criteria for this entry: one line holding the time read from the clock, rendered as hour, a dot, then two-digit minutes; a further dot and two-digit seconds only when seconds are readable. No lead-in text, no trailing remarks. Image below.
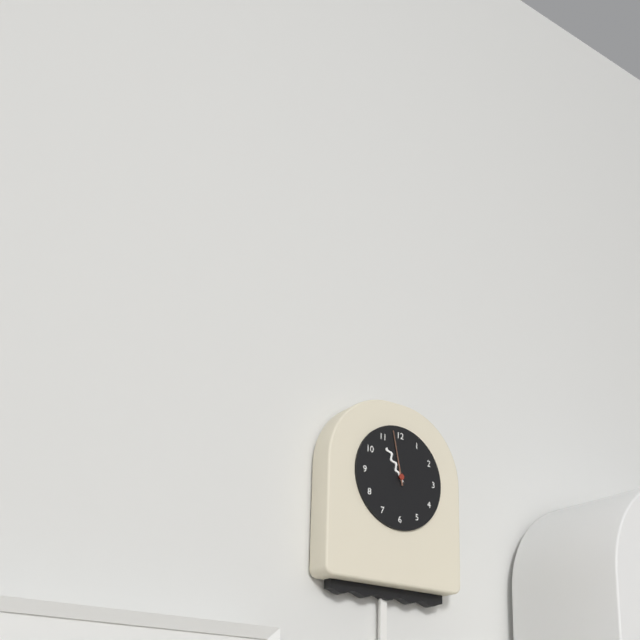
10.58
